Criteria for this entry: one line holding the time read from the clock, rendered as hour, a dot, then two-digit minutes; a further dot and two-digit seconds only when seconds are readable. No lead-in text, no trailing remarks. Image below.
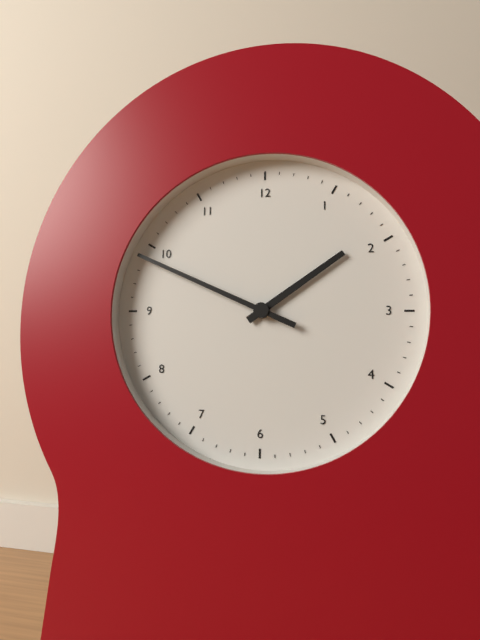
1.49
